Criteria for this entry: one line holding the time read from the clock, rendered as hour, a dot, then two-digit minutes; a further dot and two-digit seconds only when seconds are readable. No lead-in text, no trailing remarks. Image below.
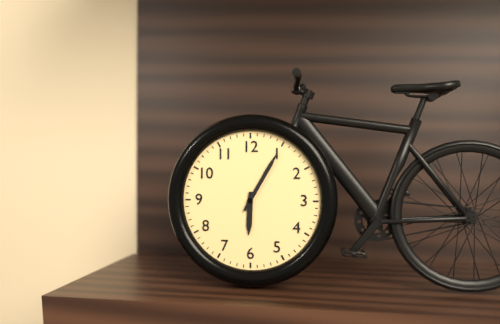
6.05
